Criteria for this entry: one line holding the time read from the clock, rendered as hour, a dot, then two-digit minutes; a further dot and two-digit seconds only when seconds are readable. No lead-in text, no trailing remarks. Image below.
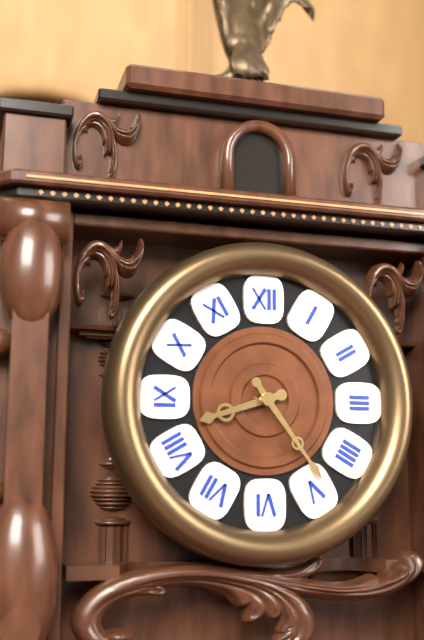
8.24
